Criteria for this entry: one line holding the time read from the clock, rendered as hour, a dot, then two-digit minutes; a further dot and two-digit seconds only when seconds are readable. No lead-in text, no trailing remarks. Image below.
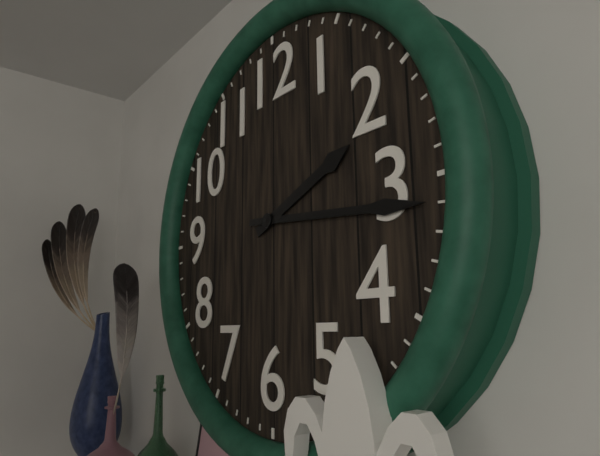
2.16
